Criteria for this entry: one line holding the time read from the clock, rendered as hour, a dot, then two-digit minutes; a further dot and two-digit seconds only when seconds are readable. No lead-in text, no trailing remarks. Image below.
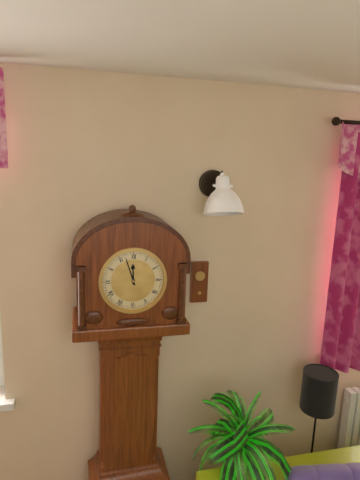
11.57
